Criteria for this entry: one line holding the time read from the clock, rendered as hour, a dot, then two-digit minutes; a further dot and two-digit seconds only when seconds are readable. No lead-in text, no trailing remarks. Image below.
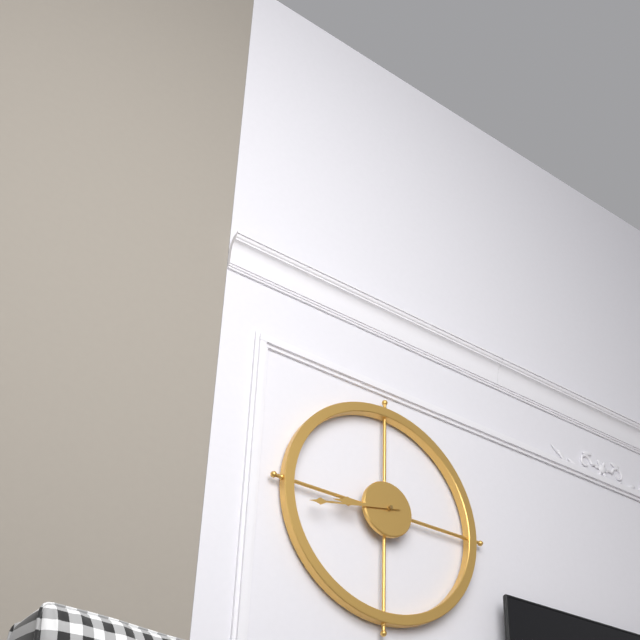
8.43
